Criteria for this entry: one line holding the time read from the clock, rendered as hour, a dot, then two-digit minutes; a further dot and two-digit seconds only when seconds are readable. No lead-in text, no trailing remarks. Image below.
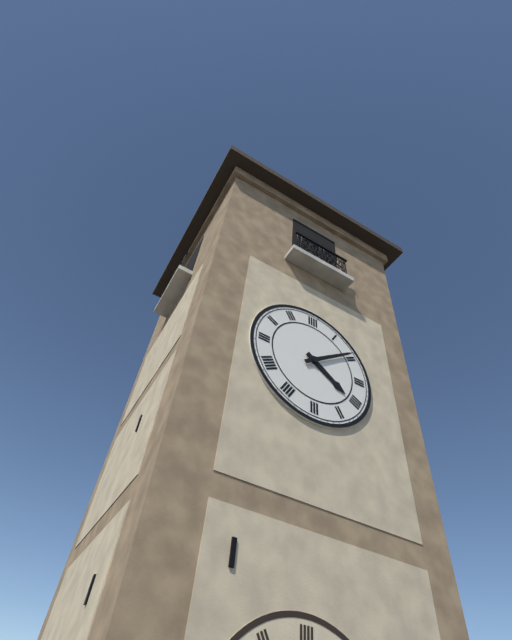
4.09
